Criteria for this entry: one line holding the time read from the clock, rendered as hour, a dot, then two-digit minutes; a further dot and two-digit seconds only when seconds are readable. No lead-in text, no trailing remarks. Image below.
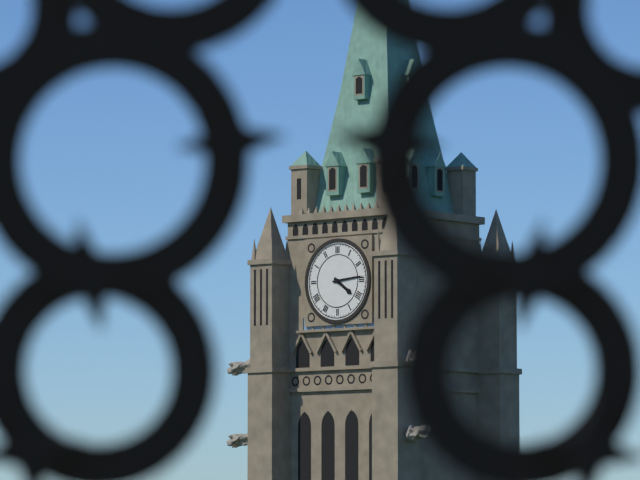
4.14
